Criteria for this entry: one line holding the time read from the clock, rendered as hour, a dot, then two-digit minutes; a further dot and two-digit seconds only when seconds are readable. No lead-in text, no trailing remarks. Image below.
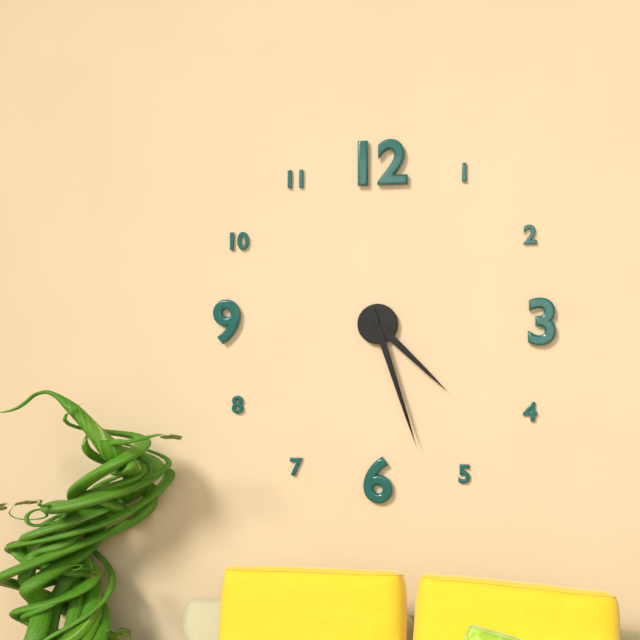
4.27
